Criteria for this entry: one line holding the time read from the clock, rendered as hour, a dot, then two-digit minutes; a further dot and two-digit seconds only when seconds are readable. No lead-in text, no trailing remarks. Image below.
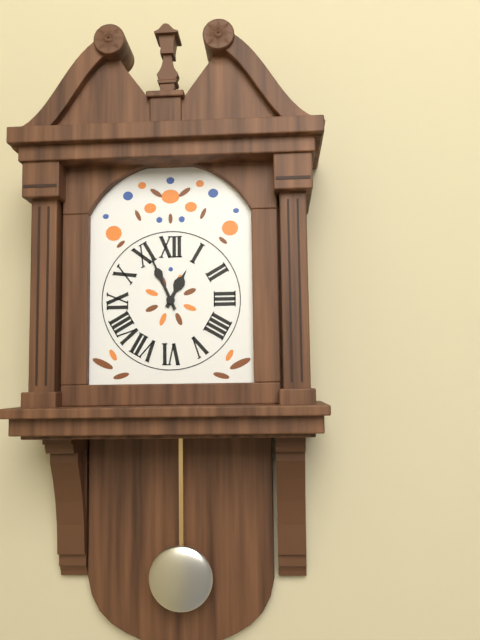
12.56
